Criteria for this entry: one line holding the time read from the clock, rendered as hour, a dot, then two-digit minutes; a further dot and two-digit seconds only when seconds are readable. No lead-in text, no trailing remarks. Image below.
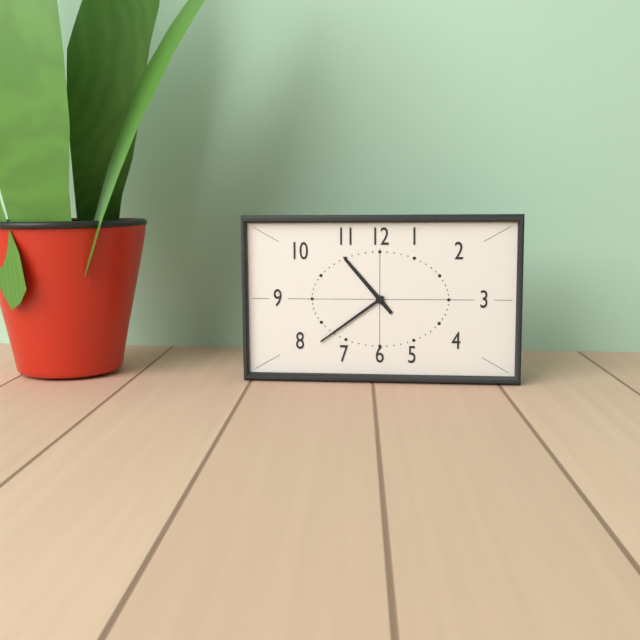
10.39
